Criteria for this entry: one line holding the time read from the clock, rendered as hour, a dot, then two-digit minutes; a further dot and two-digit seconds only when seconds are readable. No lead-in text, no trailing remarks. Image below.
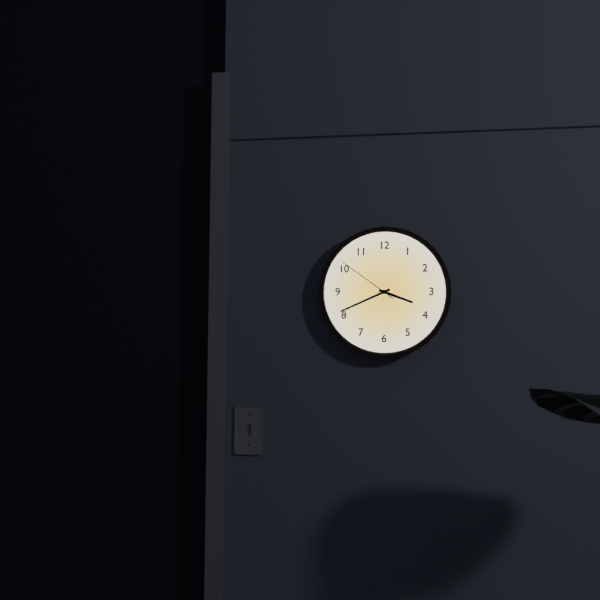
3.41.51
